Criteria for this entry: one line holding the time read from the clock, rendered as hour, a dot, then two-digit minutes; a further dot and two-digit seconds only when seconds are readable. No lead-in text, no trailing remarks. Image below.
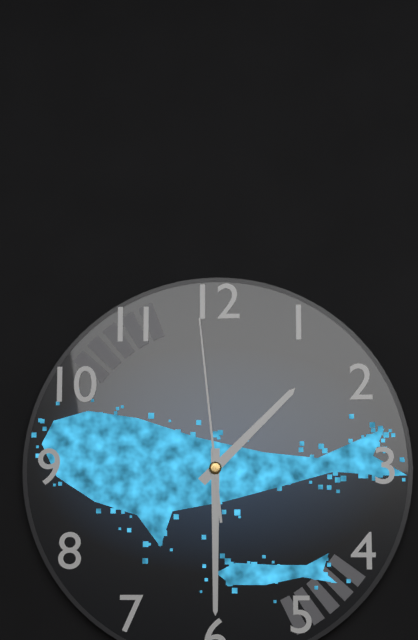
1.30.59
